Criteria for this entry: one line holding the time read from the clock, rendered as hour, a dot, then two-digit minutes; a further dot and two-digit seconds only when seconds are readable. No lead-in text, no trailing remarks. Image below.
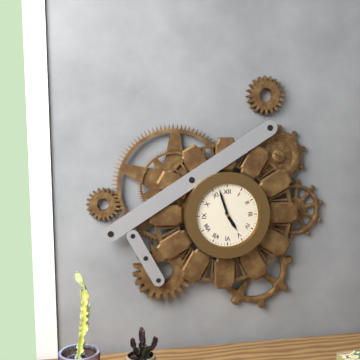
4.57
